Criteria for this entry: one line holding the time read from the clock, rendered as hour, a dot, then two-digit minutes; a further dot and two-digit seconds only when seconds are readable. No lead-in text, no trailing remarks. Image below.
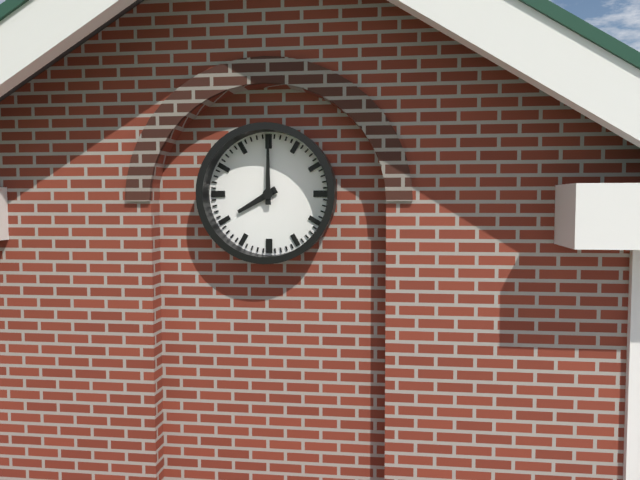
8.00
